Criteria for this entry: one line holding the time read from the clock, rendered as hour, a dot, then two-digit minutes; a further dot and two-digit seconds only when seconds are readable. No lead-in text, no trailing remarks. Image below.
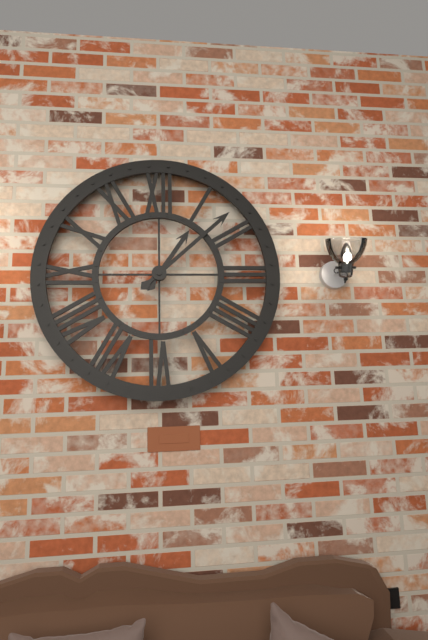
1.08
